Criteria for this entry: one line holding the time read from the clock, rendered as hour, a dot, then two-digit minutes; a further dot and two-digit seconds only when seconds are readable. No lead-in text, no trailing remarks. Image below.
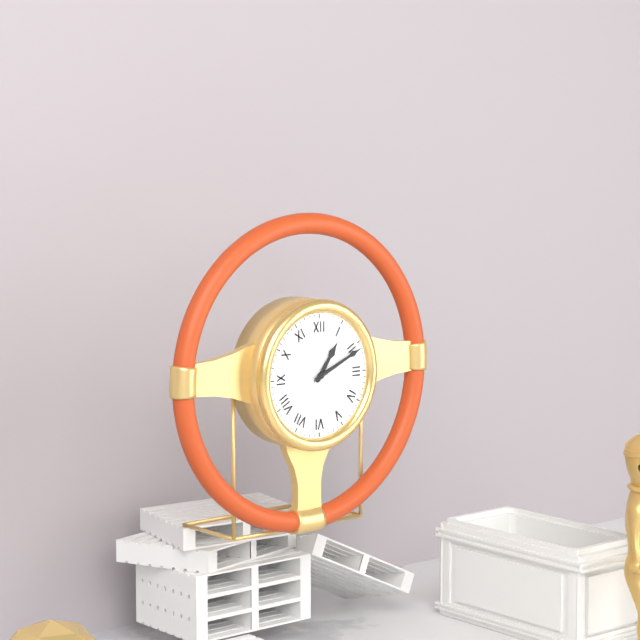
1.11
